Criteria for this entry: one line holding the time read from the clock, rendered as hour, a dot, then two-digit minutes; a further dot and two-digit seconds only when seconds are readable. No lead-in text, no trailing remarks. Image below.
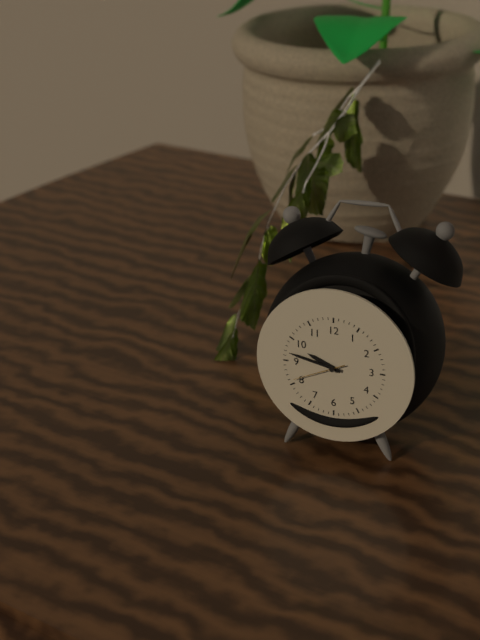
9.47.41
